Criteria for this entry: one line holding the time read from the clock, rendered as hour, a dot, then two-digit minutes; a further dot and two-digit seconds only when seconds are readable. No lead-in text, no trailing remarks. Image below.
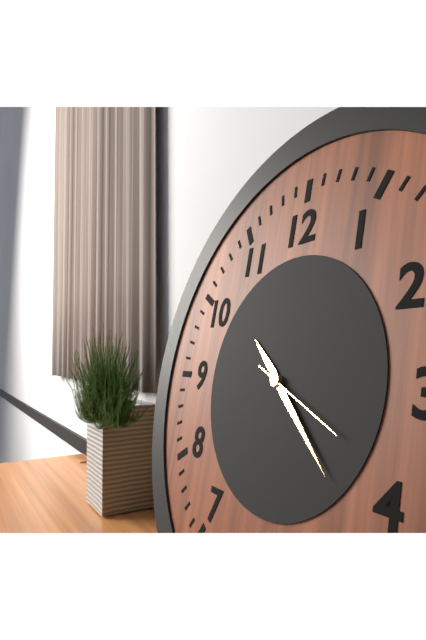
10.22.19
